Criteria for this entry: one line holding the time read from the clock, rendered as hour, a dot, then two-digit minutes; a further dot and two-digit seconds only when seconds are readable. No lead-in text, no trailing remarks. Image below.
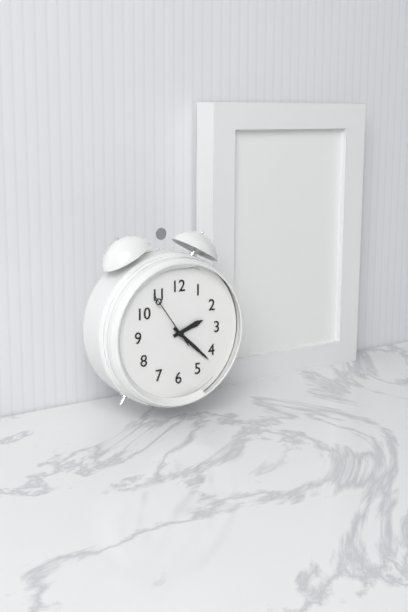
2.22.54
